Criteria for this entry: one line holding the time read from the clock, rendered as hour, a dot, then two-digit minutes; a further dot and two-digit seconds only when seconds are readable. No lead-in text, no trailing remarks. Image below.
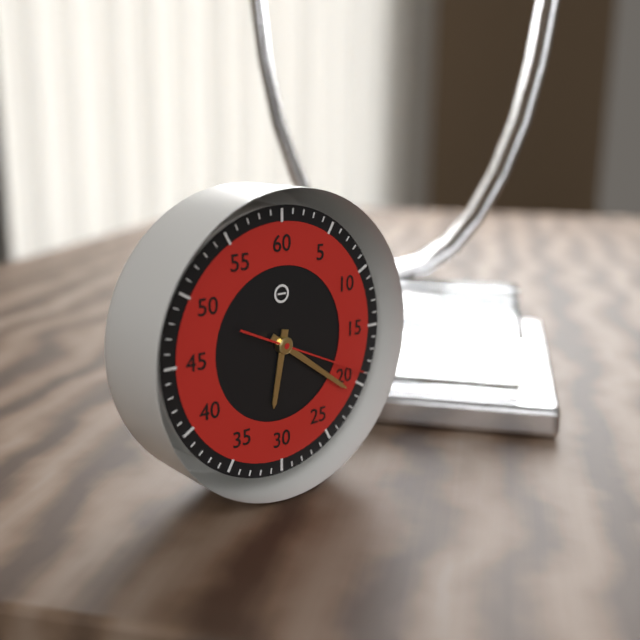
6.21.19
